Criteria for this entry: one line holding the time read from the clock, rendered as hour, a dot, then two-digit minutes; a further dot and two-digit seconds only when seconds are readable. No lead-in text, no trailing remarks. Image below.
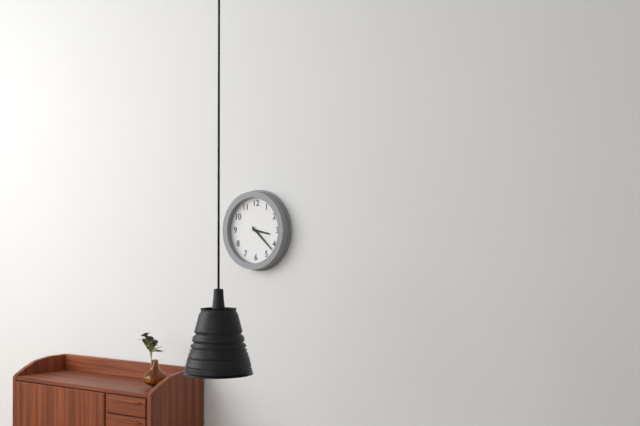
3.22
